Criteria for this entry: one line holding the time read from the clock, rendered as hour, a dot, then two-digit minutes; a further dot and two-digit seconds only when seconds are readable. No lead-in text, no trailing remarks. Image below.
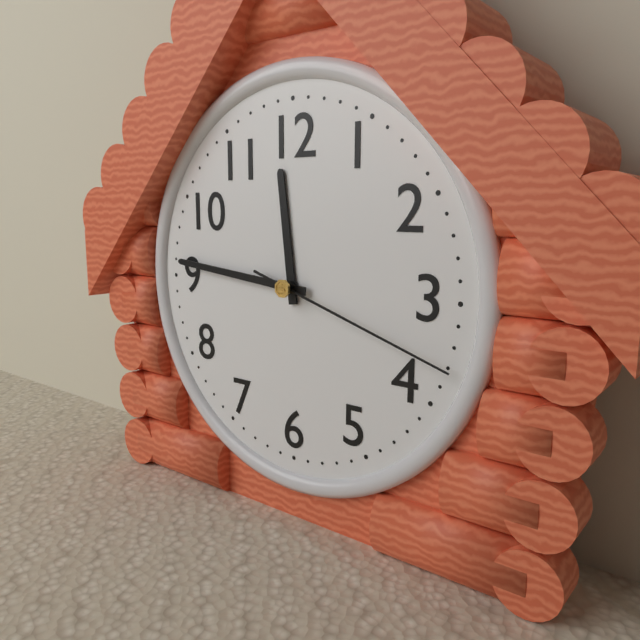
11.46.18
